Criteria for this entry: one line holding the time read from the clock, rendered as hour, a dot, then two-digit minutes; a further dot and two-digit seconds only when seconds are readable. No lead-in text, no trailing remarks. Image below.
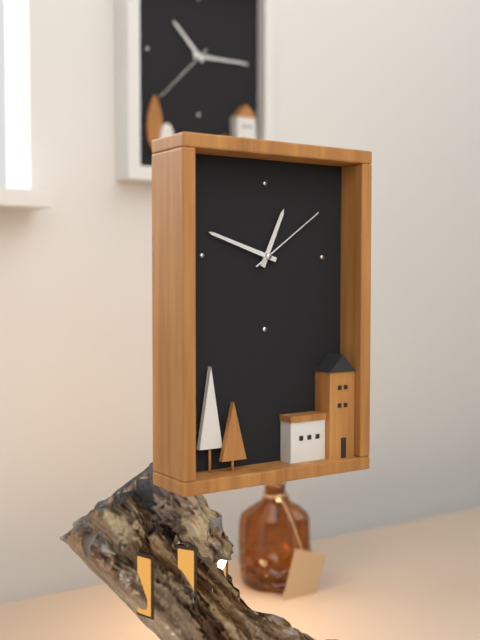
12.48.09
